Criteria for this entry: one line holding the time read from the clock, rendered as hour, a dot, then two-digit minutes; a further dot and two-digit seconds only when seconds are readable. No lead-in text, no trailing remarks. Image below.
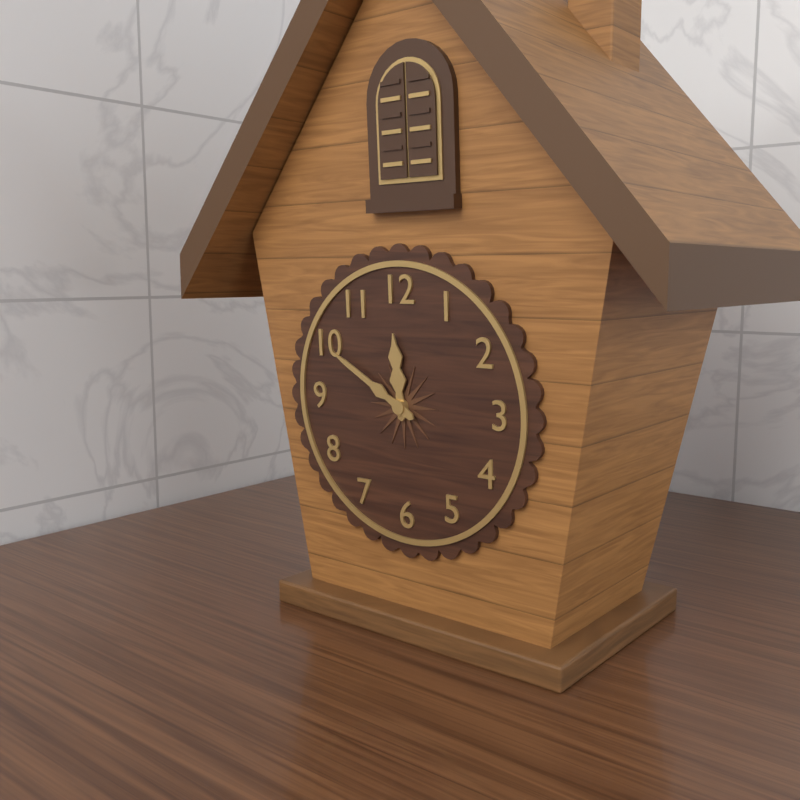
11.50
